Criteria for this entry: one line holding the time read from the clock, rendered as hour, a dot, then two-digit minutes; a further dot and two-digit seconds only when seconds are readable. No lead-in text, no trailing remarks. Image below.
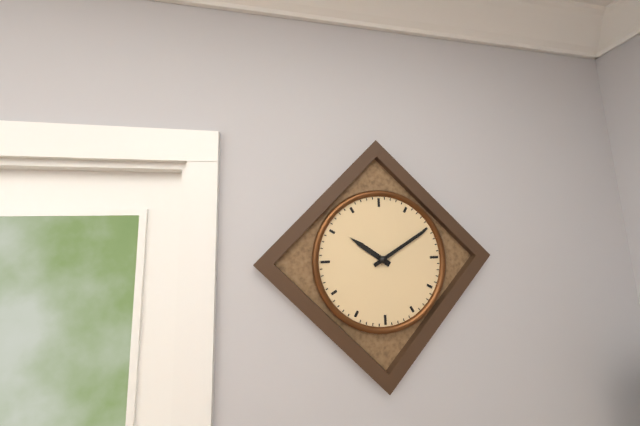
10.10
